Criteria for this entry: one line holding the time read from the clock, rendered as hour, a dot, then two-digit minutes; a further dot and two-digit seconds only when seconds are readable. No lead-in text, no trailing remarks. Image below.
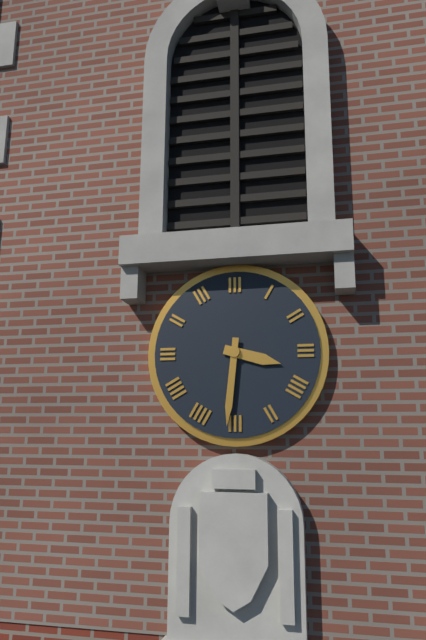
3.31
